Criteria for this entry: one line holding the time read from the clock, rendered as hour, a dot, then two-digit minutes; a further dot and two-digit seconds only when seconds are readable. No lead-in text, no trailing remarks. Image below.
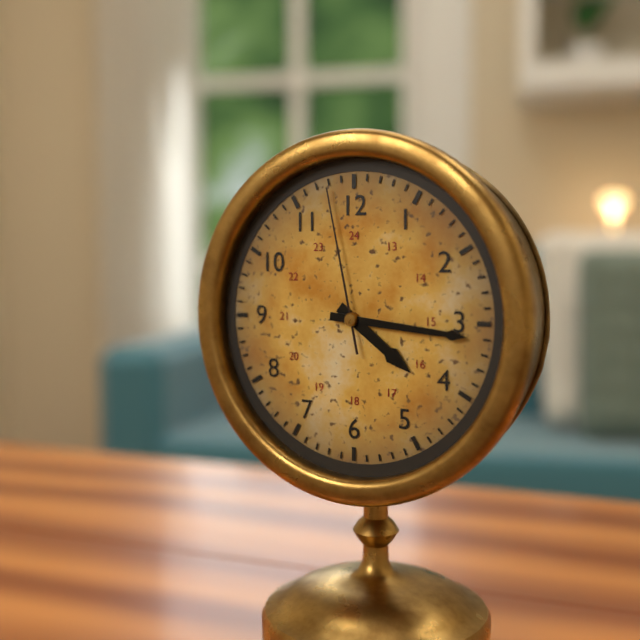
4.16.58
